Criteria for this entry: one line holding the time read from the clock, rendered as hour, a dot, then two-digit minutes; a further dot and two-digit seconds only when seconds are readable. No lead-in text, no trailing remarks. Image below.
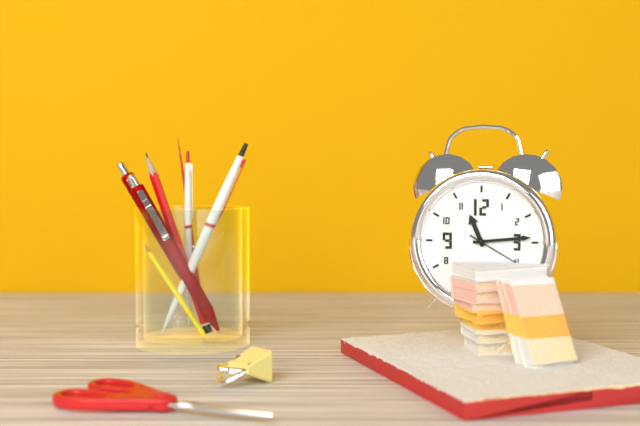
11.14.20
